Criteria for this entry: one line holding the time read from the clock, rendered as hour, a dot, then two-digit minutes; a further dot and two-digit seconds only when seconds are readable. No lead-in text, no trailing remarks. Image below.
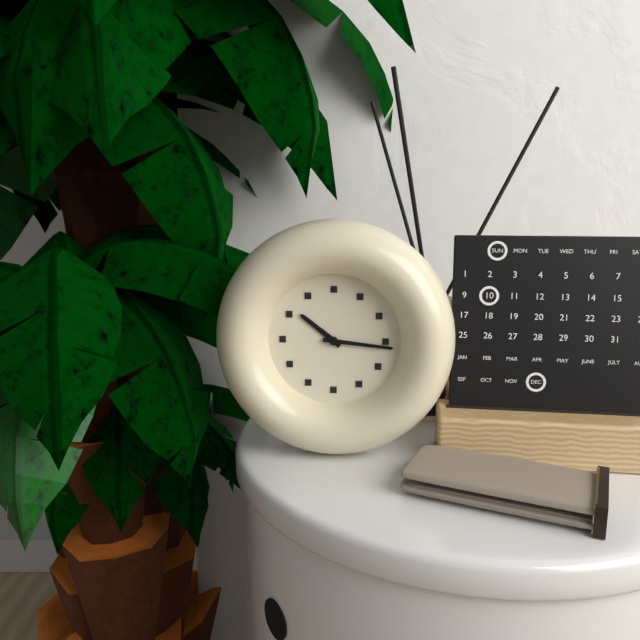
10.16
